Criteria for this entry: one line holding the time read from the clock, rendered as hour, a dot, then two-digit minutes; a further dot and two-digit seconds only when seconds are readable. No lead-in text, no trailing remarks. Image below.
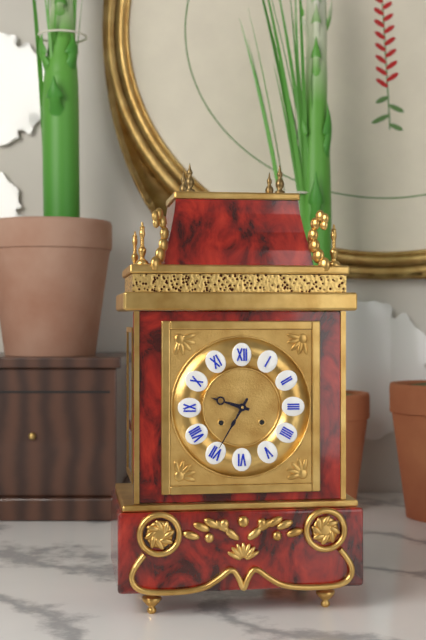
9.35
